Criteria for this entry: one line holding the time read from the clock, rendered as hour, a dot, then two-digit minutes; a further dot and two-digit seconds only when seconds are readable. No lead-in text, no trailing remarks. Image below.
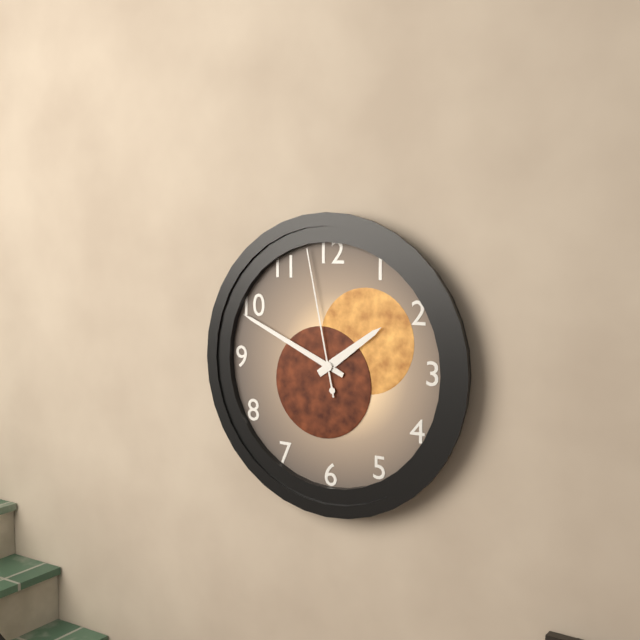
1.49.58
